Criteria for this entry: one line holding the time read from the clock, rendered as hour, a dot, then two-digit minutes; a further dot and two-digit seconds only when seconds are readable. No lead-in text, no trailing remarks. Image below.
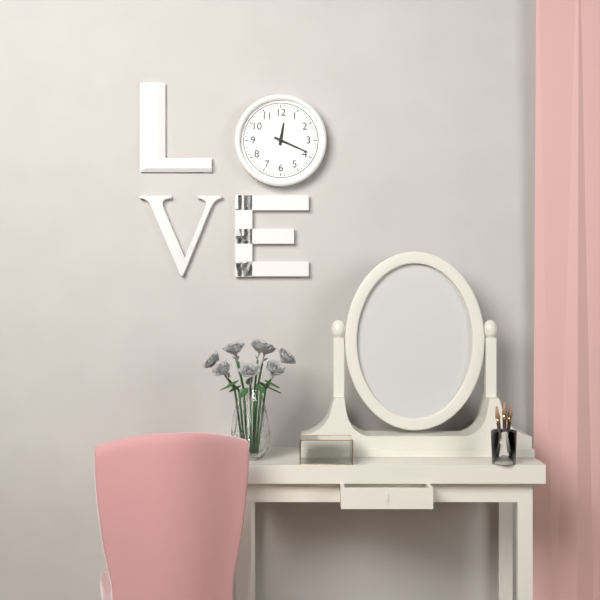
12.19
